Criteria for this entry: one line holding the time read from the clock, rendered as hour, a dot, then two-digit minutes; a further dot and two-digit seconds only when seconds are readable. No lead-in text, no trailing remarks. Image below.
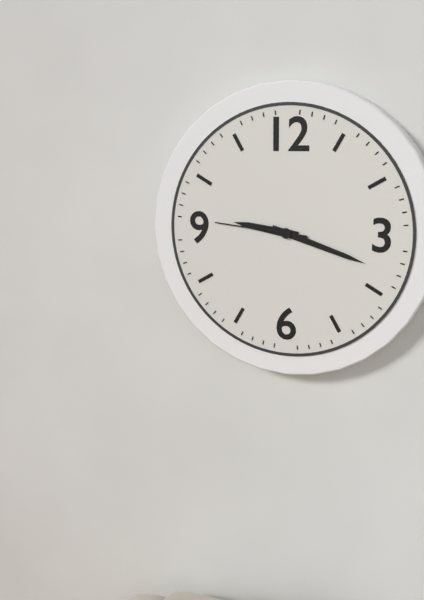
9.18.46
